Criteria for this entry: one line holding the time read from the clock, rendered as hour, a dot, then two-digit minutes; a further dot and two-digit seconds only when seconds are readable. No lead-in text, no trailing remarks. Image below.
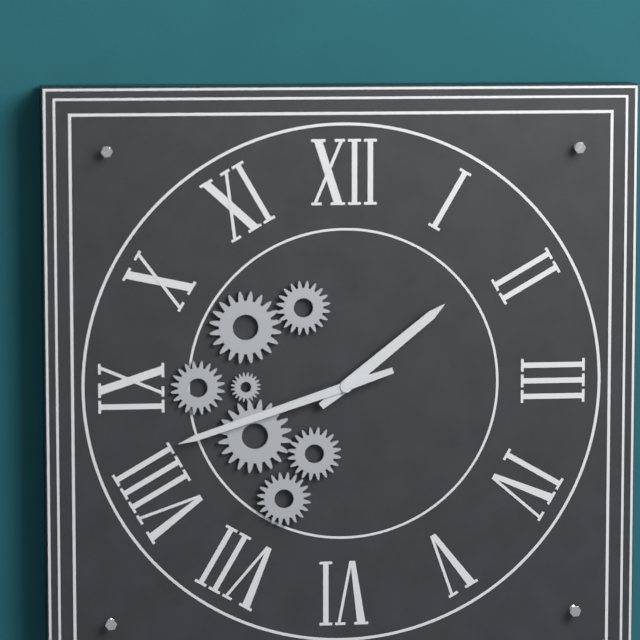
1.42
